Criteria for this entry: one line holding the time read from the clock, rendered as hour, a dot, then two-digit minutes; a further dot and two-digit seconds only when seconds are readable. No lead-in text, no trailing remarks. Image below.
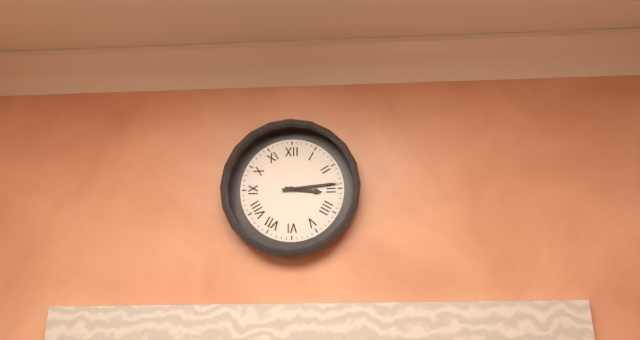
3.14
